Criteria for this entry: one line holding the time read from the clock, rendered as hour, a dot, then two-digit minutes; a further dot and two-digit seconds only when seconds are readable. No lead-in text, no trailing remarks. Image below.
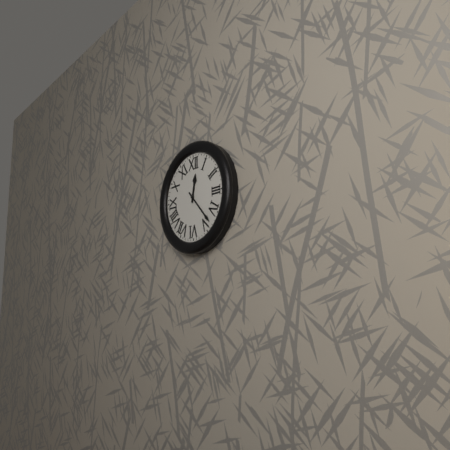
12.23
